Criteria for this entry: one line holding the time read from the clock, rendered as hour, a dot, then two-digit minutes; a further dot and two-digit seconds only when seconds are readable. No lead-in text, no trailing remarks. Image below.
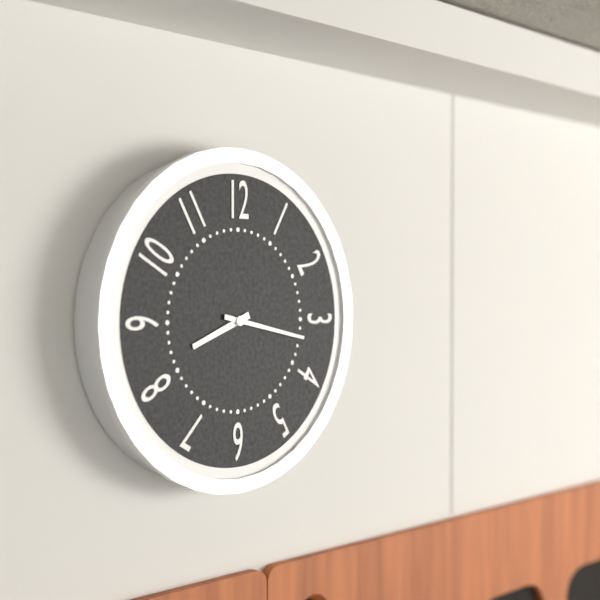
8.17
